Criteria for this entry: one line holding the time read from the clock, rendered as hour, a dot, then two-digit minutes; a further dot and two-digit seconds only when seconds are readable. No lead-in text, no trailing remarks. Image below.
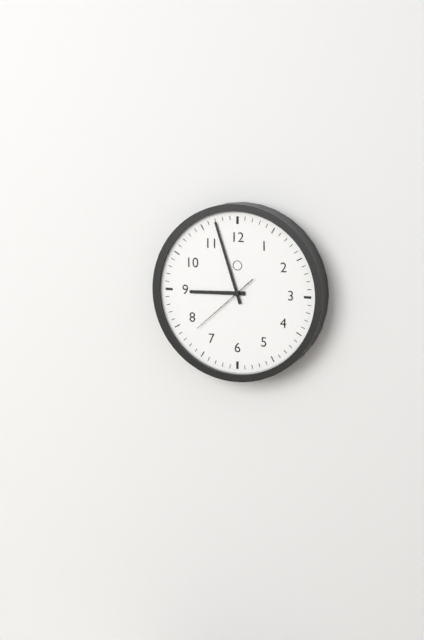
8.57.38
